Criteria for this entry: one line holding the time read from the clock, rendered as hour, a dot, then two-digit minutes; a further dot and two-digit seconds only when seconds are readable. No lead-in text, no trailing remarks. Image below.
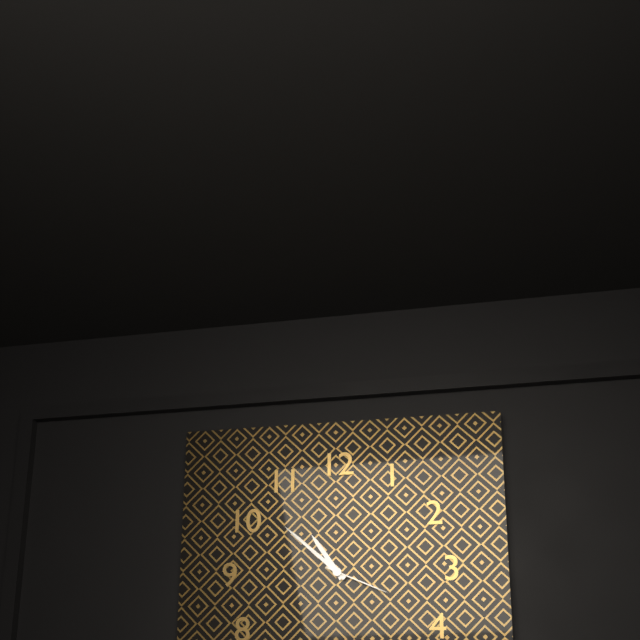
10.52.19
